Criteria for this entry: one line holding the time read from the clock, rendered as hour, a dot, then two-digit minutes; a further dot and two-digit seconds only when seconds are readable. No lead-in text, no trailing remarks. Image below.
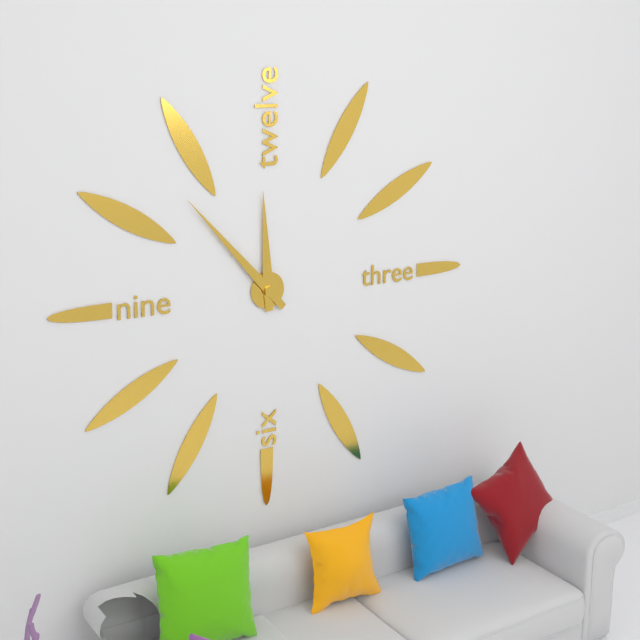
11.53
